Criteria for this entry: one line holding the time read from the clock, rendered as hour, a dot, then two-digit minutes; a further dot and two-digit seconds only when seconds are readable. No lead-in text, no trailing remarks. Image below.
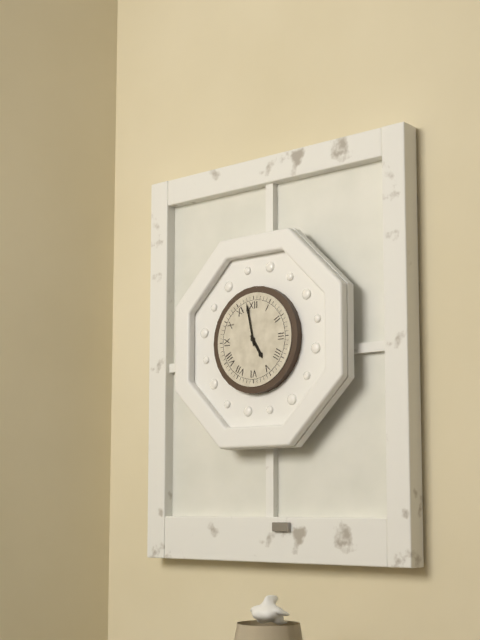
4.58
